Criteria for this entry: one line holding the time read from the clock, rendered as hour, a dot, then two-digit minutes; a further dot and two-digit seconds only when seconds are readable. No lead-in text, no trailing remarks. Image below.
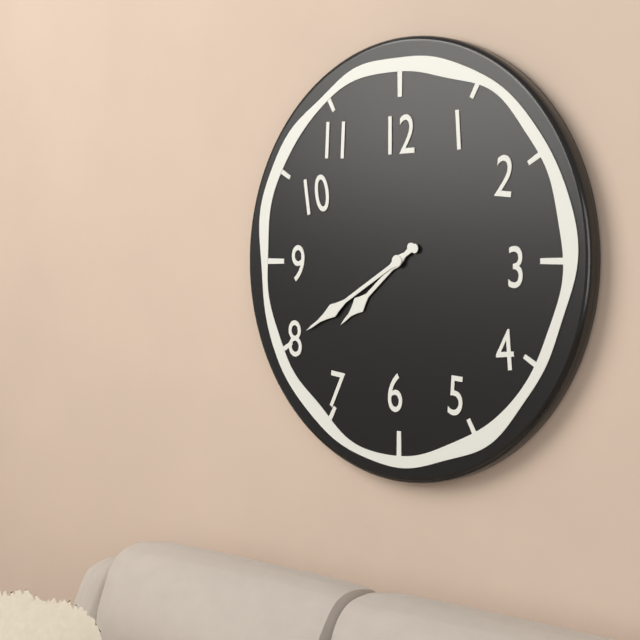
7.40
